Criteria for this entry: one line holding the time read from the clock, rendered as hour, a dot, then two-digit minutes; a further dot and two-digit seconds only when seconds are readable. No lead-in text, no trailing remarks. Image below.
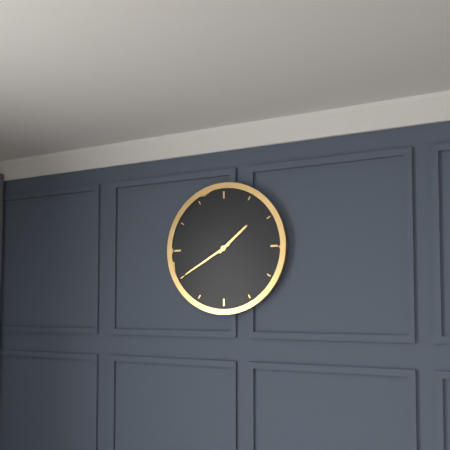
1.40
